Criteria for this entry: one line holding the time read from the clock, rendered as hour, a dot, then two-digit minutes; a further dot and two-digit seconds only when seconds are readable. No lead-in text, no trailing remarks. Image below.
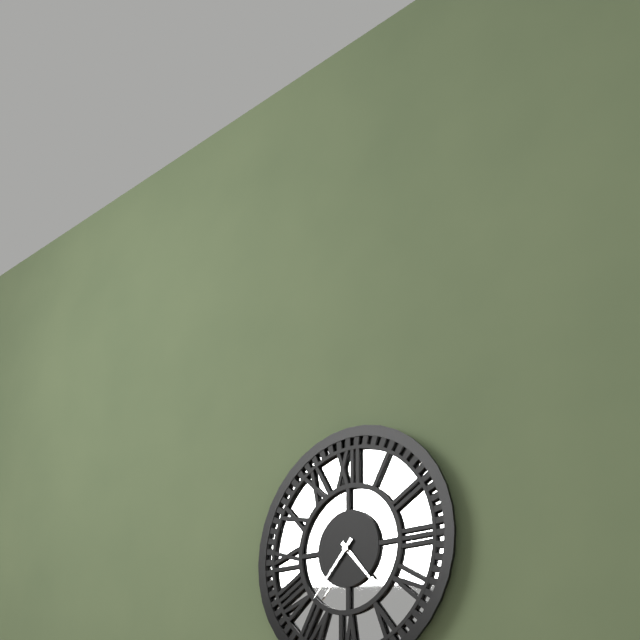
4.37
